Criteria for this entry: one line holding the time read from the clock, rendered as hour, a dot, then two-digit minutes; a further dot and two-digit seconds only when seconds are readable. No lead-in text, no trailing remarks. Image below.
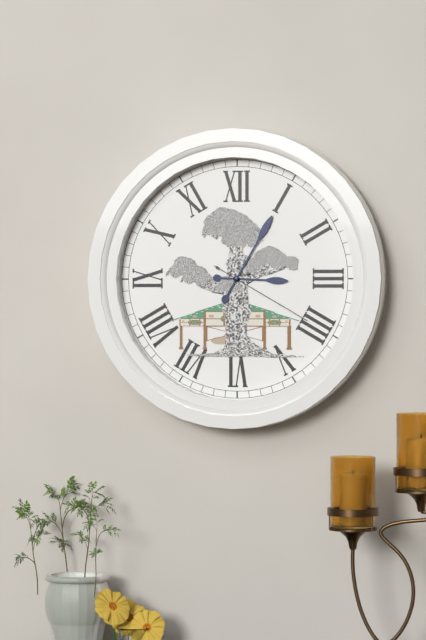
3.05.20
